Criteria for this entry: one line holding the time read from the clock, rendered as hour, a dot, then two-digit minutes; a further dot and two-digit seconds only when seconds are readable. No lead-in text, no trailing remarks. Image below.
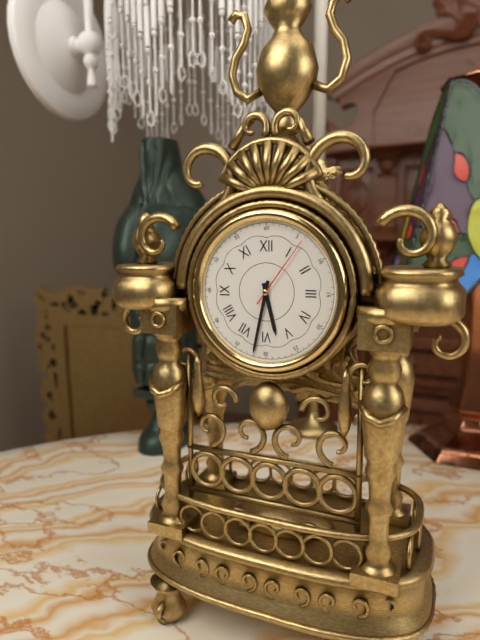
5.32.06
